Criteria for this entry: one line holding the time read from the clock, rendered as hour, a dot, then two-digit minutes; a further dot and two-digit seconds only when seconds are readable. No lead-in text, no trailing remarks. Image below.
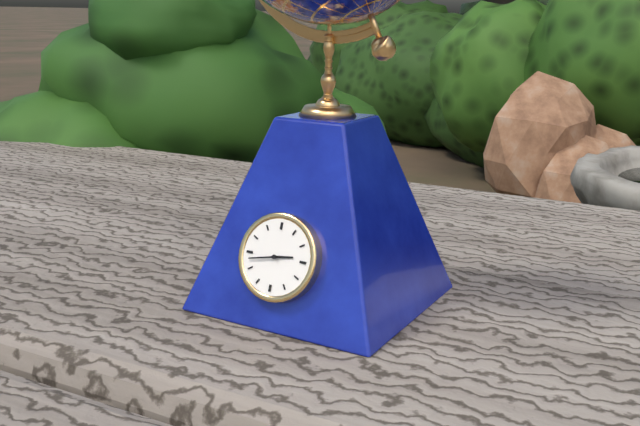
2.43
